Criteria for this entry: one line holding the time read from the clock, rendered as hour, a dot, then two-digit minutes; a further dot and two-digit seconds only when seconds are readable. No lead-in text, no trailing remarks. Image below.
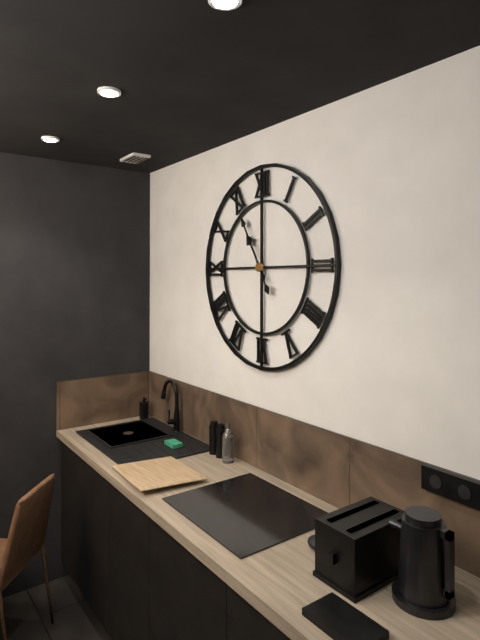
10.55
